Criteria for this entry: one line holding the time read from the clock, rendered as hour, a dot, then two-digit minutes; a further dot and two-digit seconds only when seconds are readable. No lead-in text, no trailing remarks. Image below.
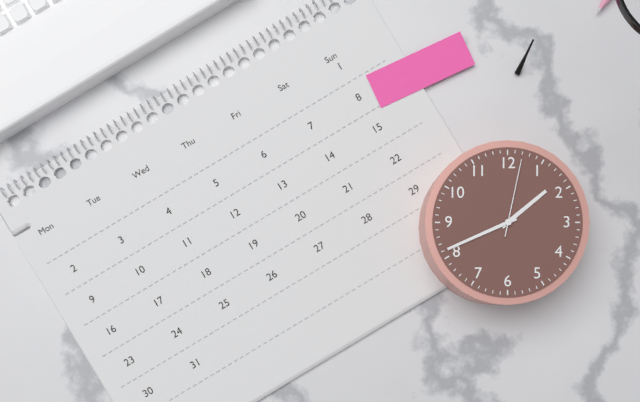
1.41.02
